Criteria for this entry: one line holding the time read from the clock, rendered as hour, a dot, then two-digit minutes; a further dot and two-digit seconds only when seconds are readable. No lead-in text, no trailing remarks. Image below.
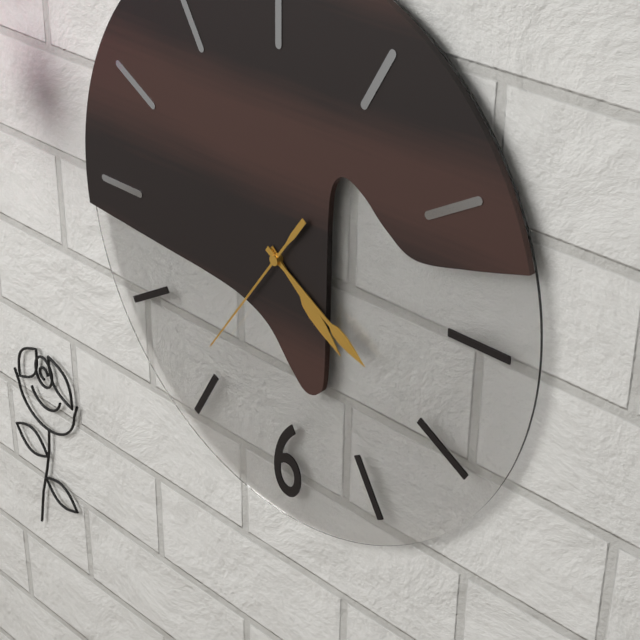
4.20.36
